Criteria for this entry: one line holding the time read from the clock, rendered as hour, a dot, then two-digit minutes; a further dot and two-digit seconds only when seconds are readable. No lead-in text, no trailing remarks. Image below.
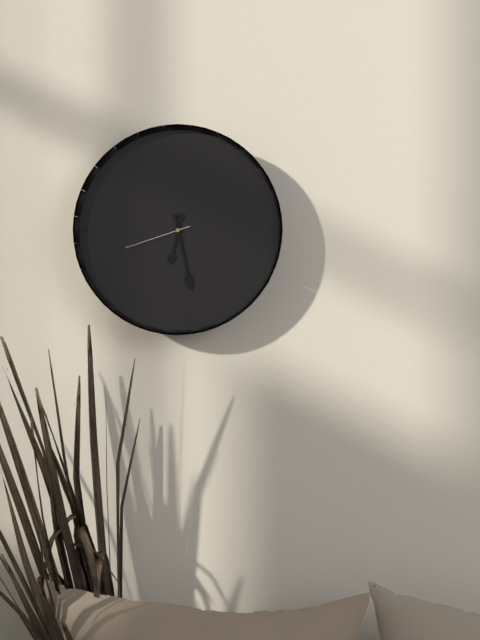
6.28.42
